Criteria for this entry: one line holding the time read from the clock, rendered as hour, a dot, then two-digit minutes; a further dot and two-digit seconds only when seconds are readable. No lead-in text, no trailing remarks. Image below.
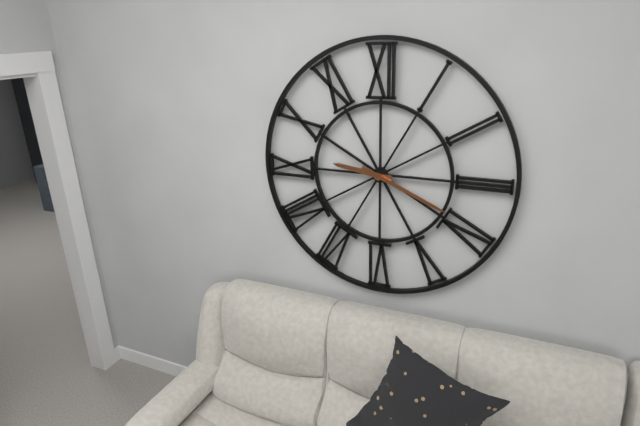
9.19
